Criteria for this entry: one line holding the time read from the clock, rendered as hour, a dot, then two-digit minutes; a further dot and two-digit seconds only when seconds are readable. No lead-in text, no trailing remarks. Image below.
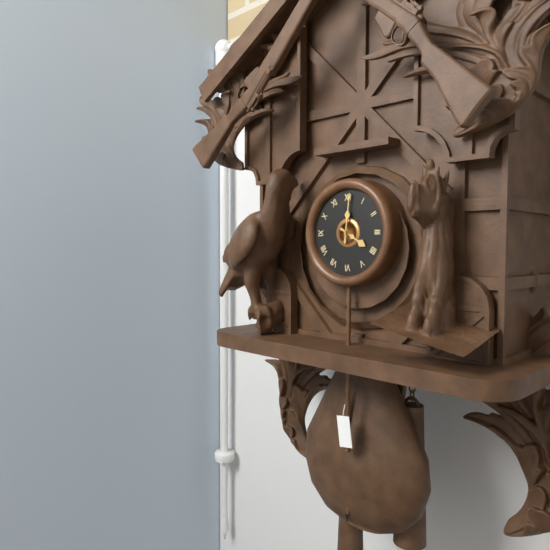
4.01
